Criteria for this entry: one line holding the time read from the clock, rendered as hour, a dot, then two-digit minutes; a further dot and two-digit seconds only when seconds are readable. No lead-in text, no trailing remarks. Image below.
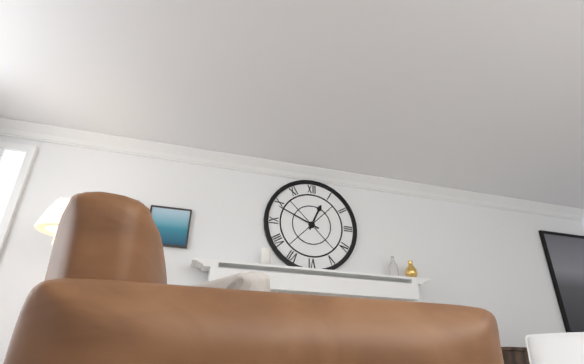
12.49
